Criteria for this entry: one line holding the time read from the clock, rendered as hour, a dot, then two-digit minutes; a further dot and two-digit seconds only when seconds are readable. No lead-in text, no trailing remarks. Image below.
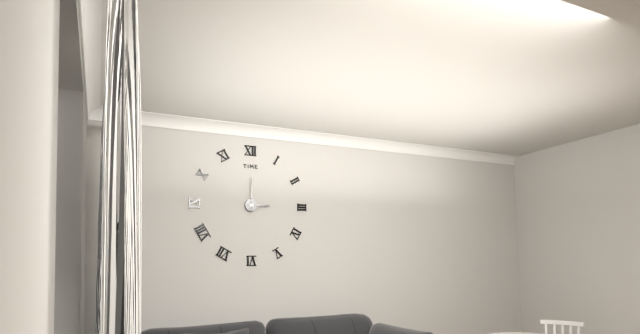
3.00
